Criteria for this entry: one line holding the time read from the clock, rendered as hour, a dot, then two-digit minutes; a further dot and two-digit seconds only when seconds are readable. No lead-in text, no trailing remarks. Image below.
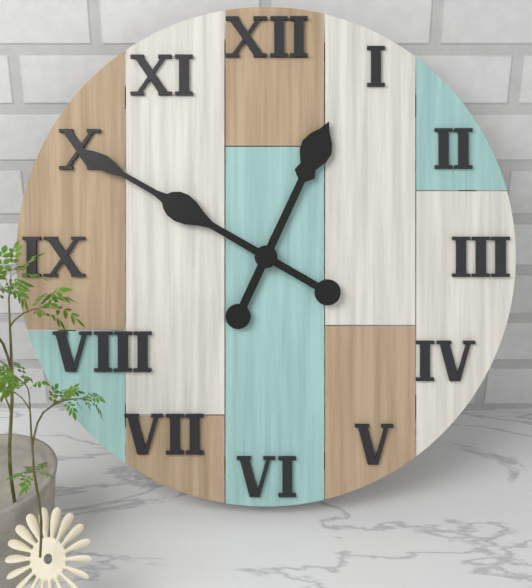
12.50
